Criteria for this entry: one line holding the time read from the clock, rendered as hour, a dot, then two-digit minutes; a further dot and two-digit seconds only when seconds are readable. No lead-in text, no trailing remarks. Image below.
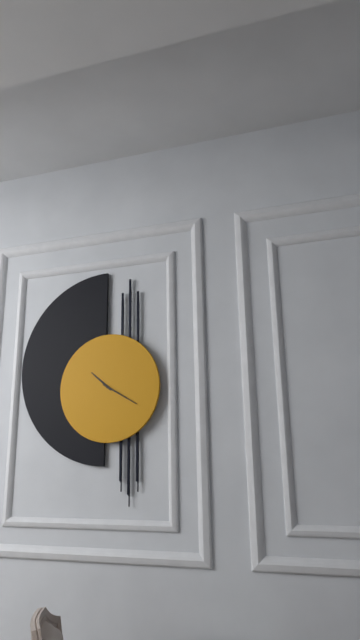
10.20
